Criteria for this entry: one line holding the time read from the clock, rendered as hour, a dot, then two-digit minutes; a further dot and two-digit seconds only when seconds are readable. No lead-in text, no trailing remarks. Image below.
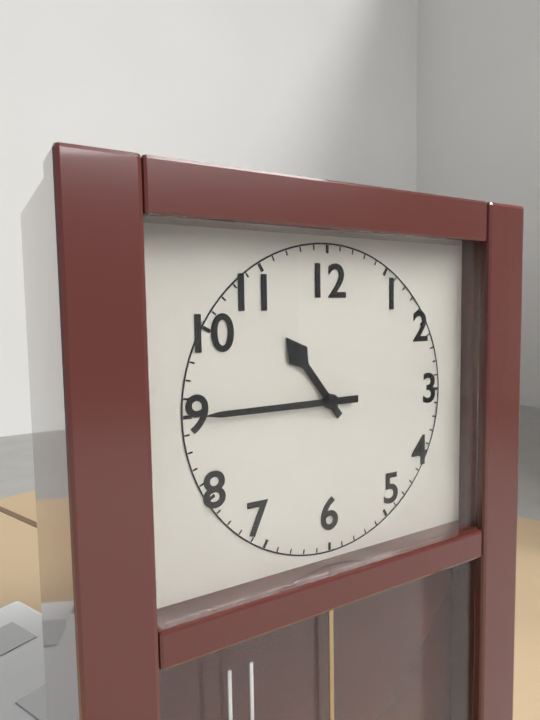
10.45
